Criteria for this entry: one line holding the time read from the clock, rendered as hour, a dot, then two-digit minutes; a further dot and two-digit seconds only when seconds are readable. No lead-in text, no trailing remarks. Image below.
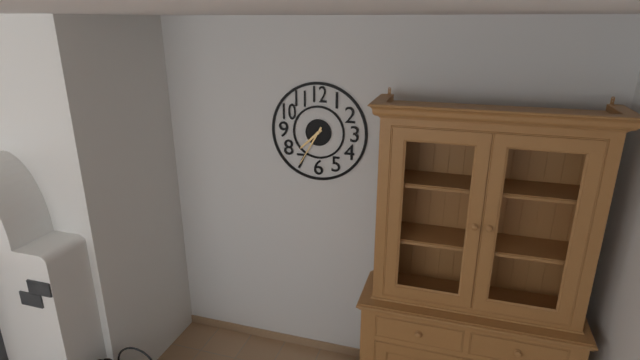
7.35
